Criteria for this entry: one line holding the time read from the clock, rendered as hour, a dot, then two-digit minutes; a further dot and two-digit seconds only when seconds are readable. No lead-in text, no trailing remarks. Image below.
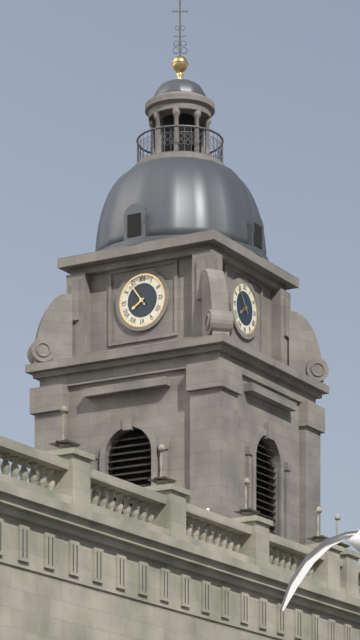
7.54
